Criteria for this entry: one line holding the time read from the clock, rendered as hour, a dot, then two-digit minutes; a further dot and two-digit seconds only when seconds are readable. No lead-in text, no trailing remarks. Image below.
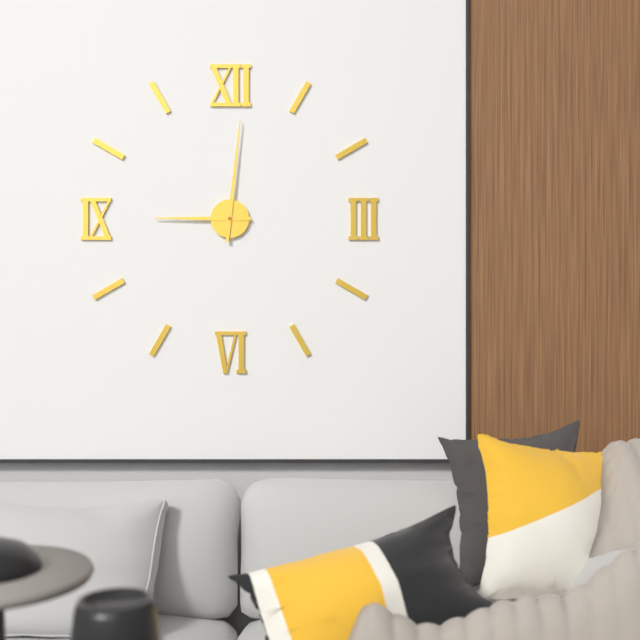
9.01
